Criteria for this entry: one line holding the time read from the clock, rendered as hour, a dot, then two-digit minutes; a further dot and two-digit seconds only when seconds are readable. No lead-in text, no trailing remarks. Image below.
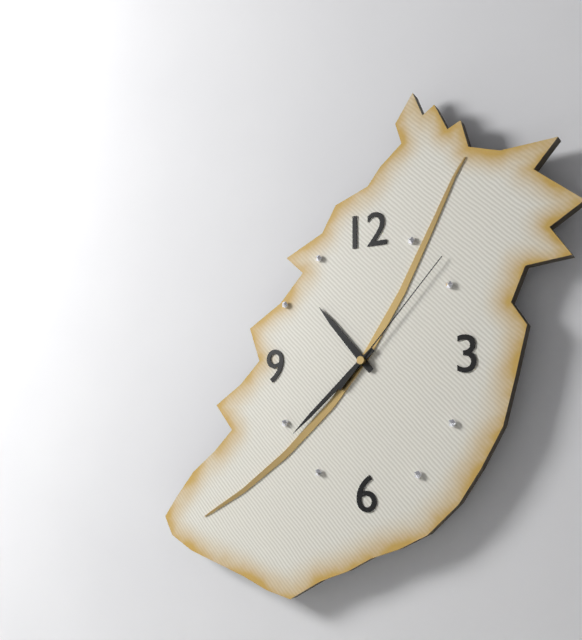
10.38.07
